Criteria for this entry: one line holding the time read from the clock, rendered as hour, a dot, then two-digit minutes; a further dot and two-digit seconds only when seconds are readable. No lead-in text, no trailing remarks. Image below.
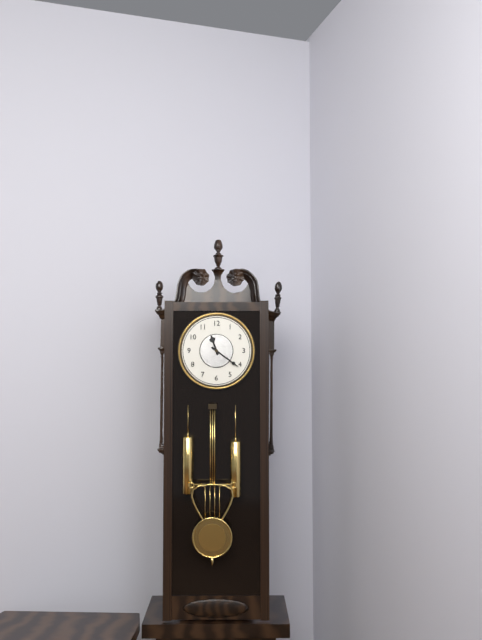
11.21
